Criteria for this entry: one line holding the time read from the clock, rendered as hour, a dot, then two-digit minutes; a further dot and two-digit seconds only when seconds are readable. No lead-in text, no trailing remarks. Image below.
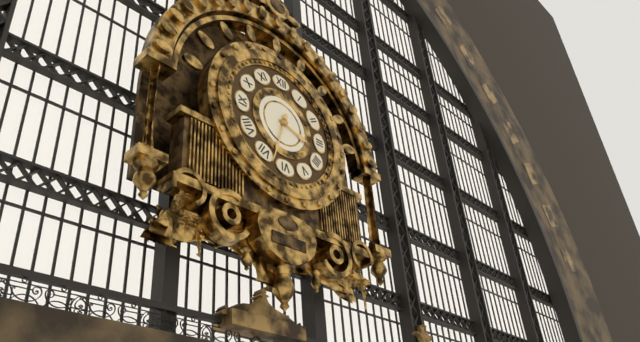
3.33
